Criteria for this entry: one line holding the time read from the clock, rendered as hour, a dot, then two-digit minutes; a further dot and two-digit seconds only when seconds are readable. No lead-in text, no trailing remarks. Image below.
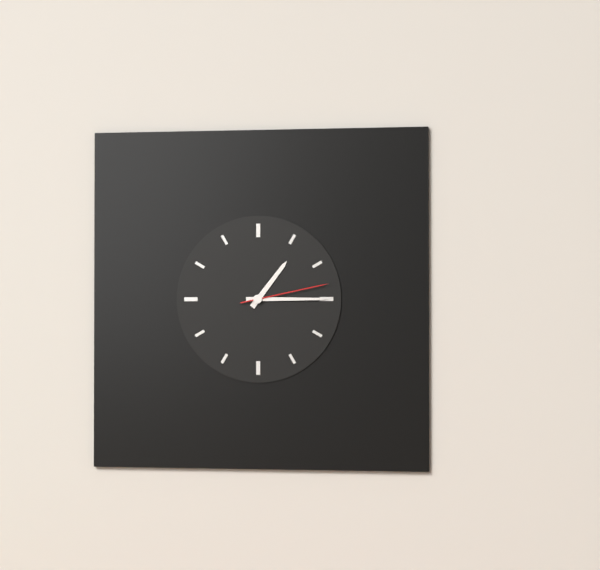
1.15.13
